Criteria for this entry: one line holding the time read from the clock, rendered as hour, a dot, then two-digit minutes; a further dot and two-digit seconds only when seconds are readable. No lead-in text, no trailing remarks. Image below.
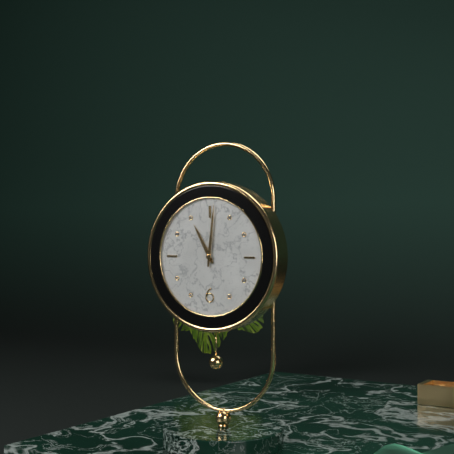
11.01
